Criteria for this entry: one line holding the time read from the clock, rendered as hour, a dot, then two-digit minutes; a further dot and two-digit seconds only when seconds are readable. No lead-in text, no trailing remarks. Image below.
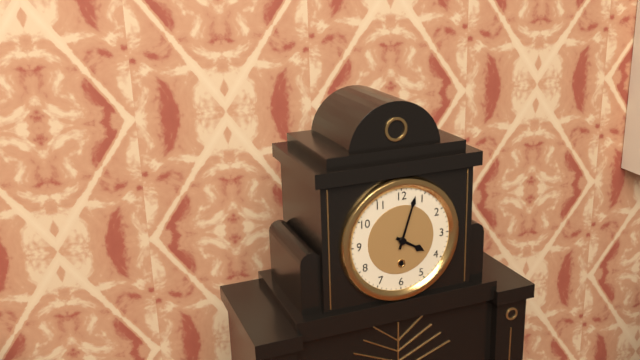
4.03
